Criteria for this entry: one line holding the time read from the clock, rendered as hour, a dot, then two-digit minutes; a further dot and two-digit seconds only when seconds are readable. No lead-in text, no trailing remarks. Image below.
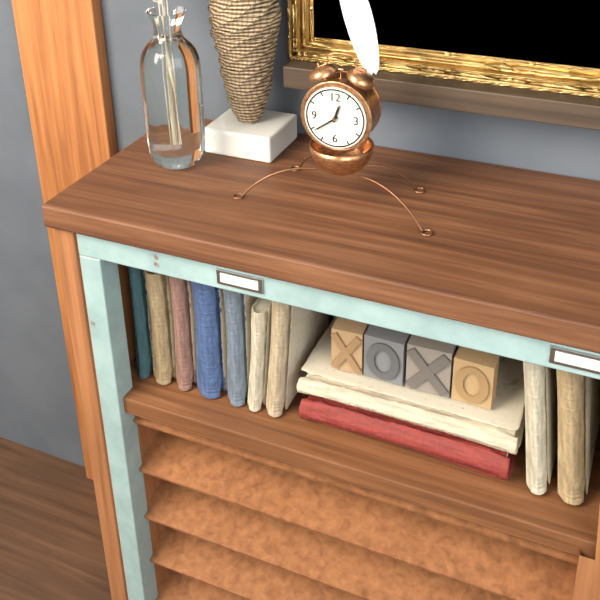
12.39
